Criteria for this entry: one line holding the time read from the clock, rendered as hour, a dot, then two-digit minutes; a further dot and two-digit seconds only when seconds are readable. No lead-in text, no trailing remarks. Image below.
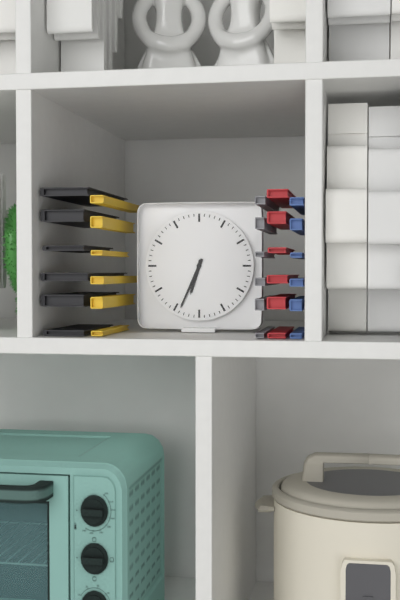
6.34
